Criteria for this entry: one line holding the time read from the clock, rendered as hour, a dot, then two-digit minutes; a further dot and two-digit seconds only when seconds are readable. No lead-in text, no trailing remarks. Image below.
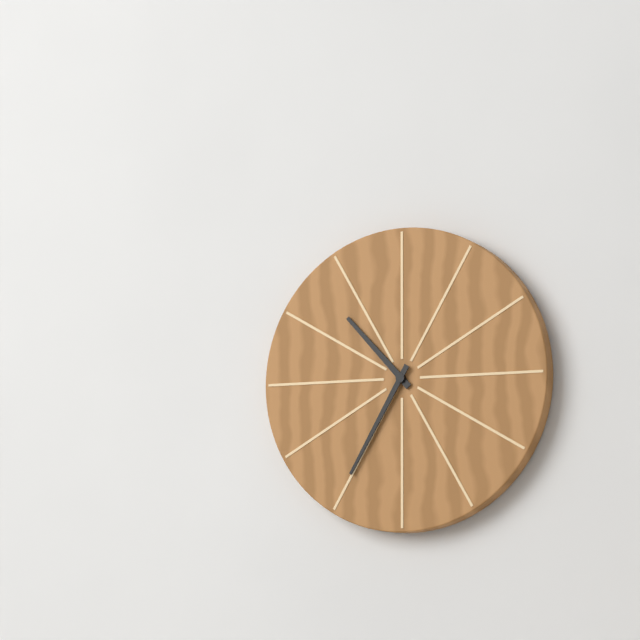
10.35
